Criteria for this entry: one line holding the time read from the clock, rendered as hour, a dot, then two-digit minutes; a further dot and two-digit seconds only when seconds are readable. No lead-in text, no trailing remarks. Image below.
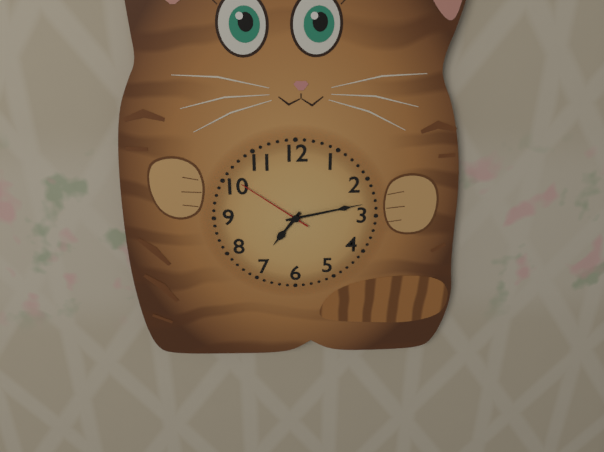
7.13.51
